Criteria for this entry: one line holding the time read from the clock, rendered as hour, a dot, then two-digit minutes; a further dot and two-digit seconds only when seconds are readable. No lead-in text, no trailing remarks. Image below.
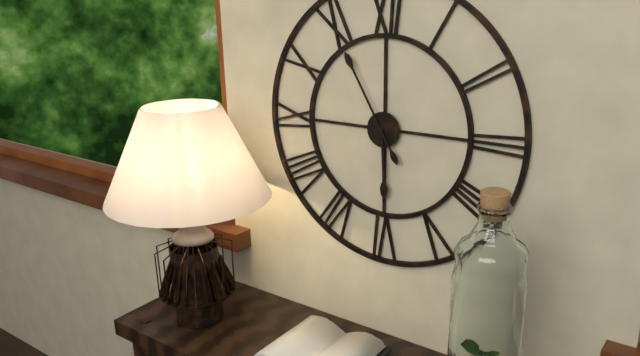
5.55
